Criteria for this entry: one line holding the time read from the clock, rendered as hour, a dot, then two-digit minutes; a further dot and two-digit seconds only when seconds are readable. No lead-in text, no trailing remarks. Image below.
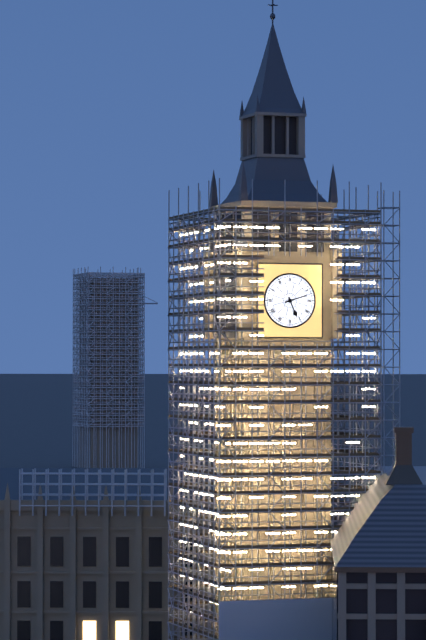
5.12
